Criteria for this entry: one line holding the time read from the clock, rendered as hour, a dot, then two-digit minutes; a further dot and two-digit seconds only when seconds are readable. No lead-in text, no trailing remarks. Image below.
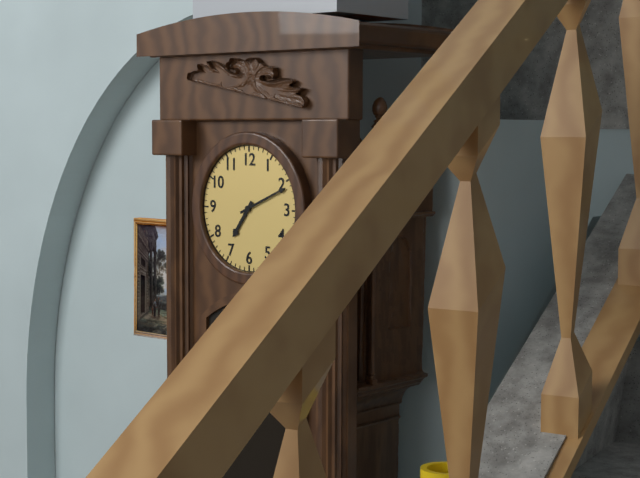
7.11
